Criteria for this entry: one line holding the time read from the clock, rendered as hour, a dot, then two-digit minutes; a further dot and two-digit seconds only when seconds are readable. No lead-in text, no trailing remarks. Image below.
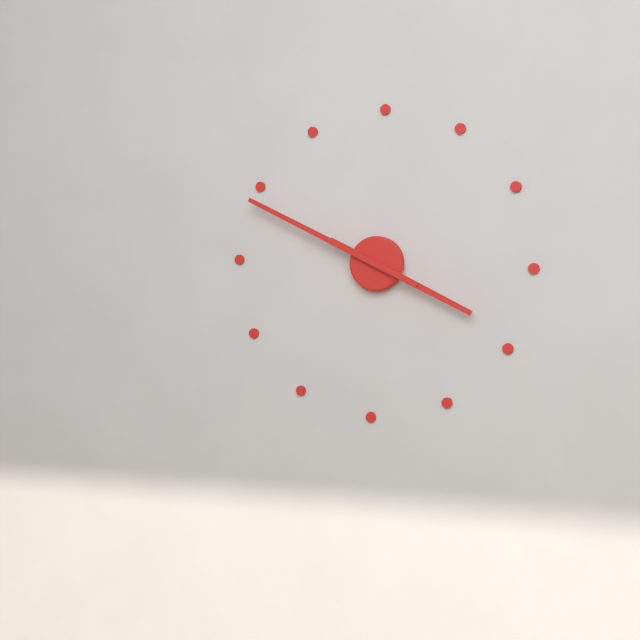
3.49
